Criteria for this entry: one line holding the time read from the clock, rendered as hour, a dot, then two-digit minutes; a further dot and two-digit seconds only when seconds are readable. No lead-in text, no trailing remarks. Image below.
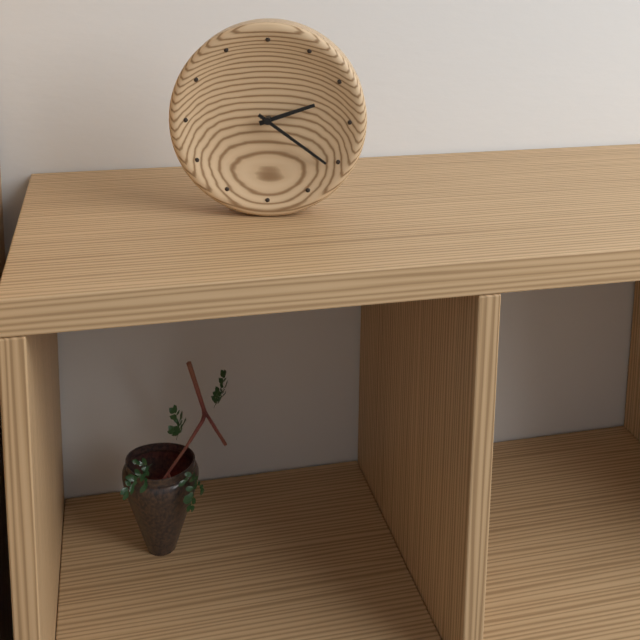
2.21
